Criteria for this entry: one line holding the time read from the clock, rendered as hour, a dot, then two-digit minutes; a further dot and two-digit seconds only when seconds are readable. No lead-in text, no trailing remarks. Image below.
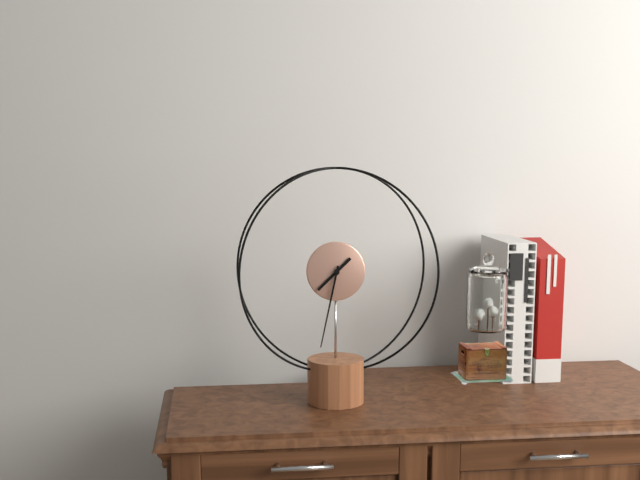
7.32
